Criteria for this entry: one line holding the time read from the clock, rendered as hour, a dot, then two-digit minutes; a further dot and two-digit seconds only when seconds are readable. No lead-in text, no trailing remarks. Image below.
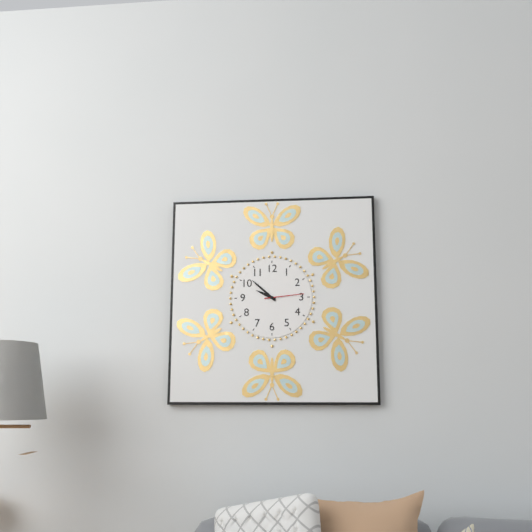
9.52
